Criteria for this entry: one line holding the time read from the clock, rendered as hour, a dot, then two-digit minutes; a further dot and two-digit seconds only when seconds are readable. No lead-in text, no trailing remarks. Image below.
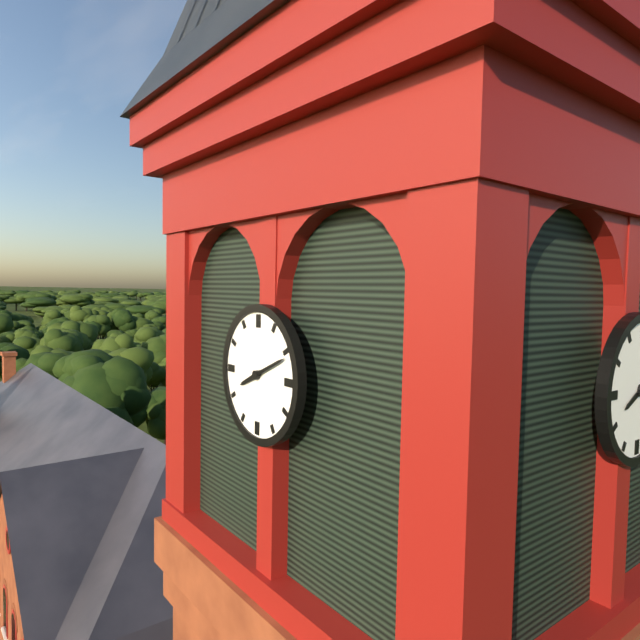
8.11
